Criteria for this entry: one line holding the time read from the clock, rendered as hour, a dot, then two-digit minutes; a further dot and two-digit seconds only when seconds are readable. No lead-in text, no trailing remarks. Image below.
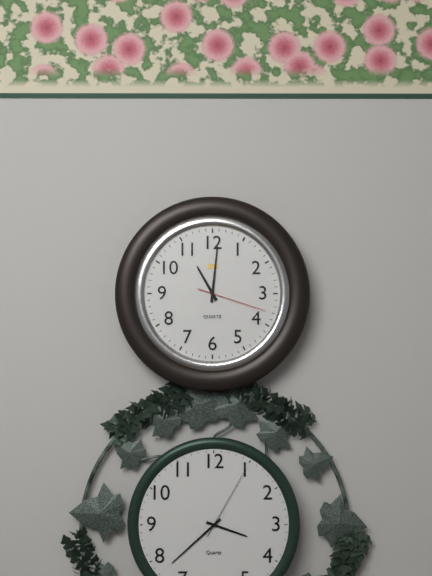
11.01.18
